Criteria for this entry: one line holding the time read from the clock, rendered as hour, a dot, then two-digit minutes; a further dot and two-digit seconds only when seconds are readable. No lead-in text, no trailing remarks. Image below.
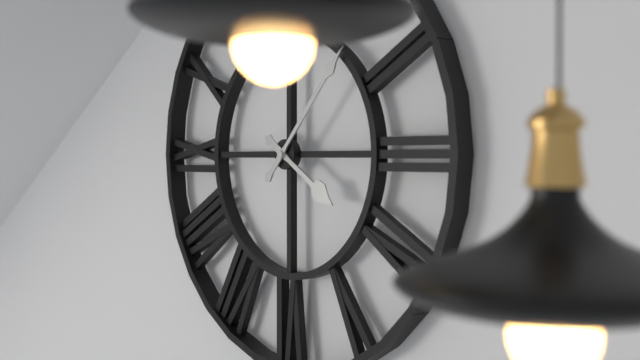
4.07
